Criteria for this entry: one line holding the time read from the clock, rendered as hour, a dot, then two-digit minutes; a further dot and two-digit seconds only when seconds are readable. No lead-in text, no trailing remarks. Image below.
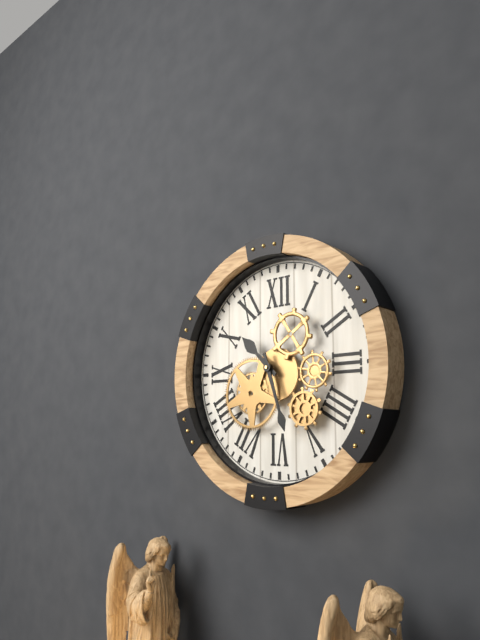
10.27
